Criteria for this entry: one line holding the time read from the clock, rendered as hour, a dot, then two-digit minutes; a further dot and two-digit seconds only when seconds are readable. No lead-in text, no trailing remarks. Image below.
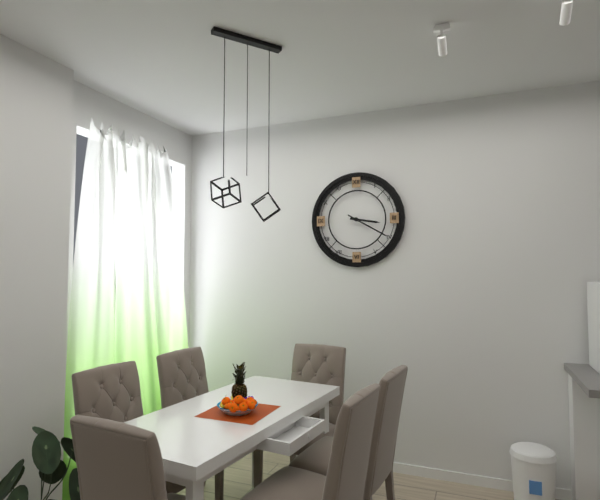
3.20
